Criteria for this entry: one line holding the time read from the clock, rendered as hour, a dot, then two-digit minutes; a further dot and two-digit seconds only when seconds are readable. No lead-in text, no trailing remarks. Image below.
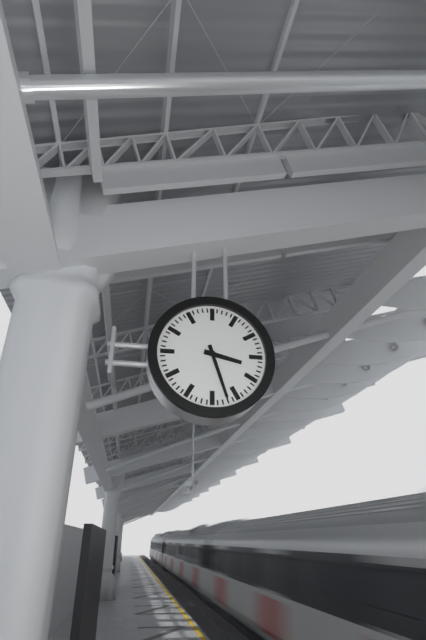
3.27
